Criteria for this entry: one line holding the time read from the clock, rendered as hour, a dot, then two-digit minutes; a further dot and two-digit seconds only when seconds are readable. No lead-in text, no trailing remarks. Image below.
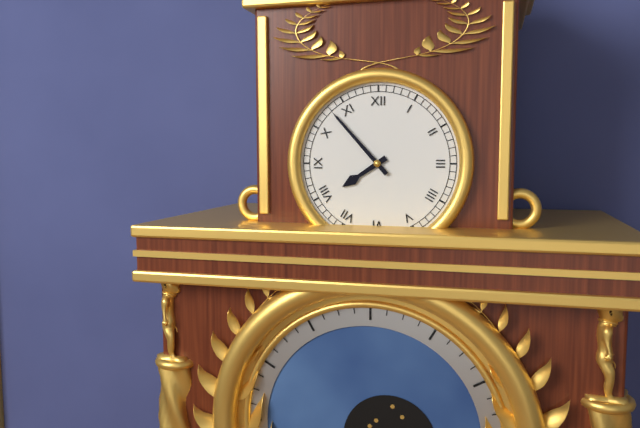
7.53
